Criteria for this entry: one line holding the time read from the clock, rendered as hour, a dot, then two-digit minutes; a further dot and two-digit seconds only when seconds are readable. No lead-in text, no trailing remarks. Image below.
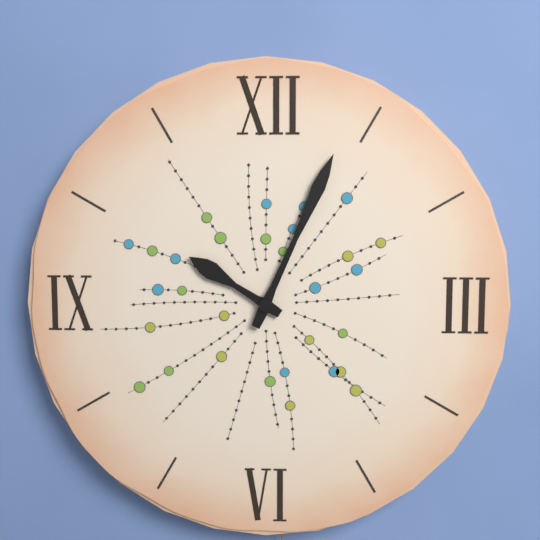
10.04
